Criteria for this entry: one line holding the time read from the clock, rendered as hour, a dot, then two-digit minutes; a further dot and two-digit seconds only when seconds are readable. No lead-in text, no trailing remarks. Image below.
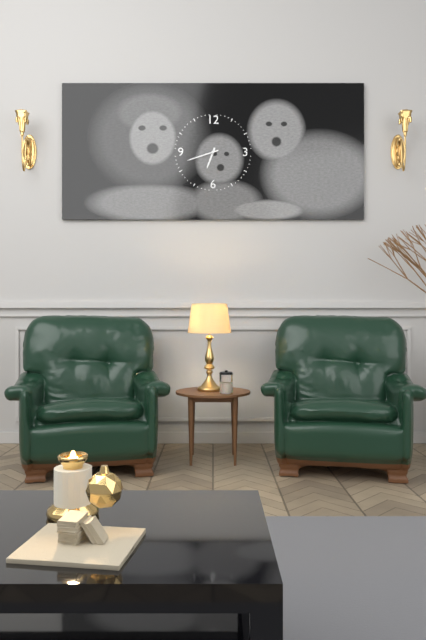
6.42
